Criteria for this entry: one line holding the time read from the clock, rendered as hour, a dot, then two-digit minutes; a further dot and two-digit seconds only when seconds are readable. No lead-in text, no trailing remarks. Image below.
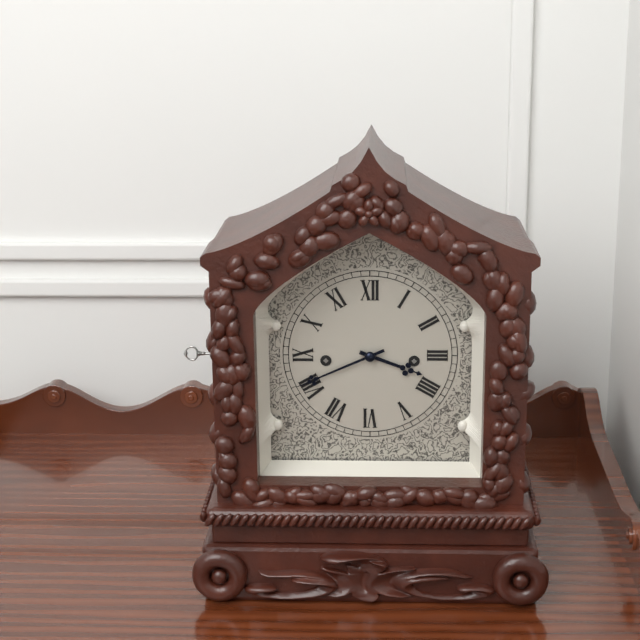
3.41
